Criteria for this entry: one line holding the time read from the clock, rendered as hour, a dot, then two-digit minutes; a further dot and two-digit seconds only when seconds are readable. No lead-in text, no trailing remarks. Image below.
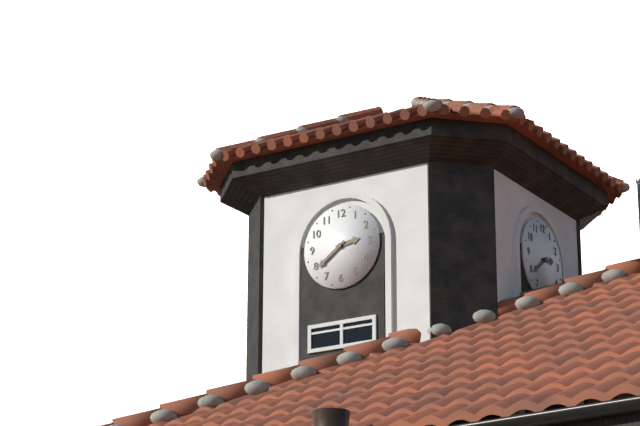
2.39
